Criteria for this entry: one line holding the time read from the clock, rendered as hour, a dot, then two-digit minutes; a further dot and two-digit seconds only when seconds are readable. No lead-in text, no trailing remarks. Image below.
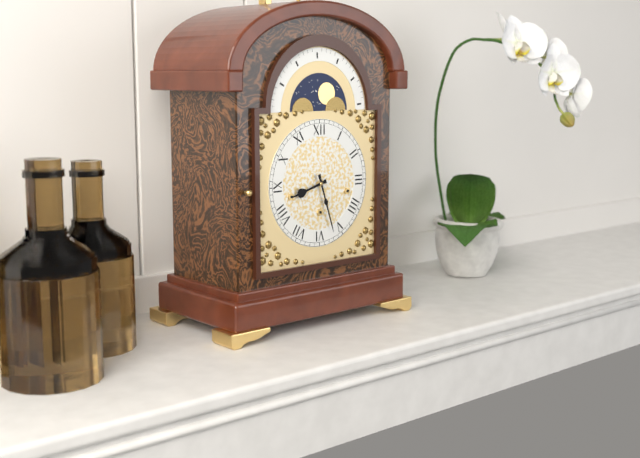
8.27
